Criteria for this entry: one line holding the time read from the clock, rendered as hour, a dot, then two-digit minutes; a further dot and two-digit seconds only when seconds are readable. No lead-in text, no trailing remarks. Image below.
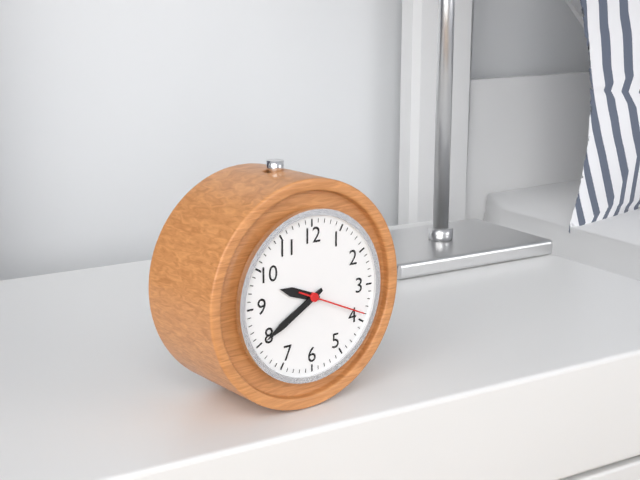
9.40.19
